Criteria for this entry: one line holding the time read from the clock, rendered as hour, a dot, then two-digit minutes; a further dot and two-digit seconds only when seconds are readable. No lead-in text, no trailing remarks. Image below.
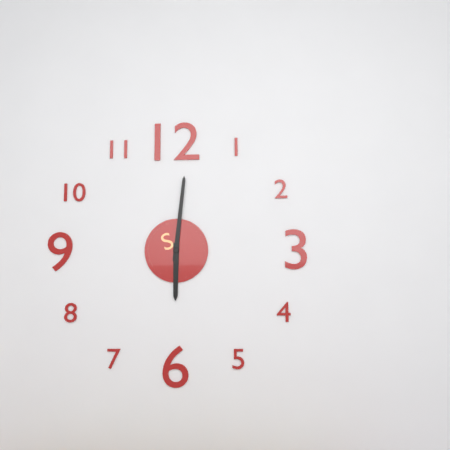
6.01
